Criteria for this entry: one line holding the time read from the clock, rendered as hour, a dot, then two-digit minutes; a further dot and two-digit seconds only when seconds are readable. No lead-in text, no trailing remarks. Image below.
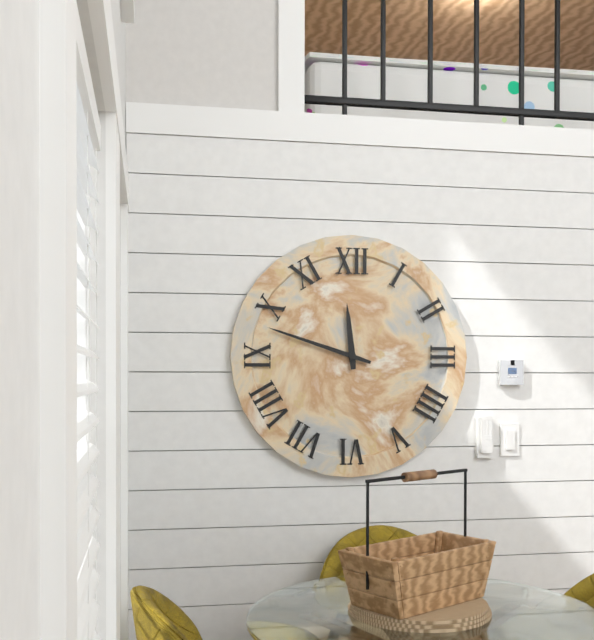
11.48
